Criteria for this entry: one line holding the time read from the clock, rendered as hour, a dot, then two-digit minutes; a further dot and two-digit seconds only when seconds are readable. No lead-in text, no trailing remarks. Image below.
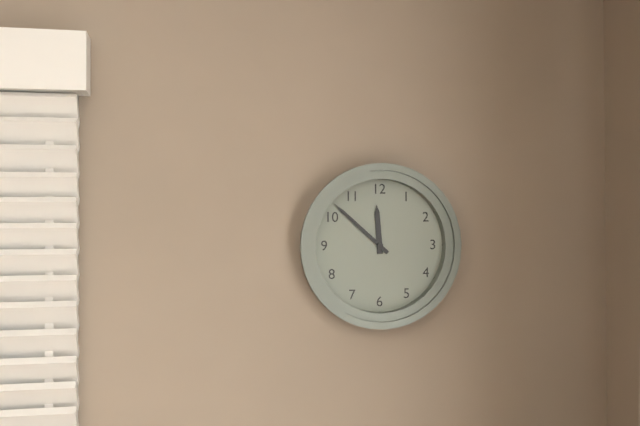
11.52
